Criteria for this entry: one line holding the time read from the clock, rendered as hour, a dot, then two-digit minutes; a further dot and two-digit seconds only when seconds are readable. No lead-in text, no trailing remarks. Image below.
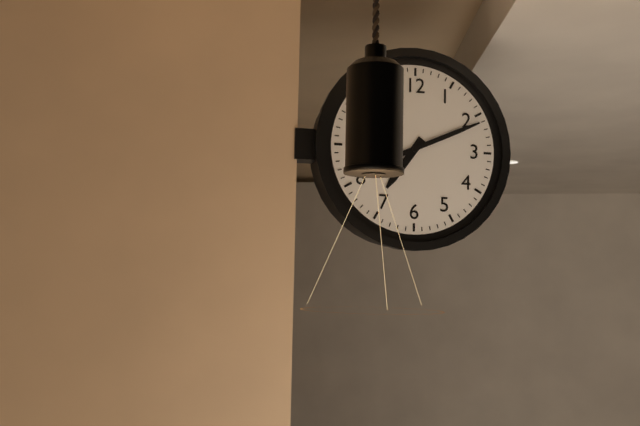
7.11
